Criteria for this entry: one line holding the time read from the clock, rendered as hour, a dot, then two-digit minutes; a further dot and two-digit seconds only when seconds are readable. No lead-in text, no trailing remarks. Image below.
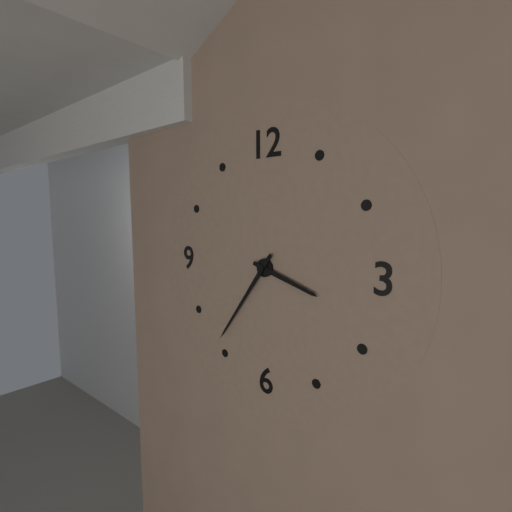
3.36
